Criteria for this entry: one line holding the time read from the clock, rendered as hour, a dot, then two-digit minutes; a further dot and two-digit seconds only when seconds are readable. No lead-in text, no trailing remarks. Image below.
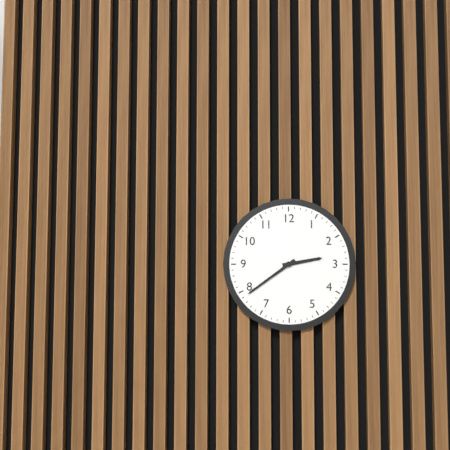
2.39
